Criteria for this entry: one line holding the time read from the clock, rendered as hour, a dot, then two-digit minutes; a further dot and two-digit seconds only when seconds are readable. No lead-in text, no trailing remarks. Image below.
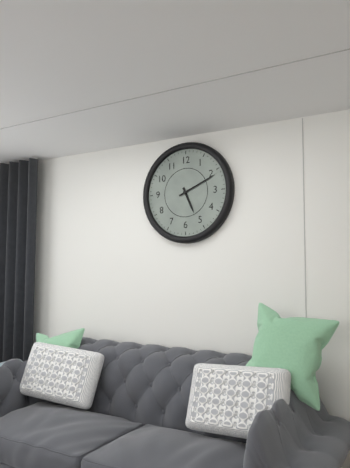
5.11
